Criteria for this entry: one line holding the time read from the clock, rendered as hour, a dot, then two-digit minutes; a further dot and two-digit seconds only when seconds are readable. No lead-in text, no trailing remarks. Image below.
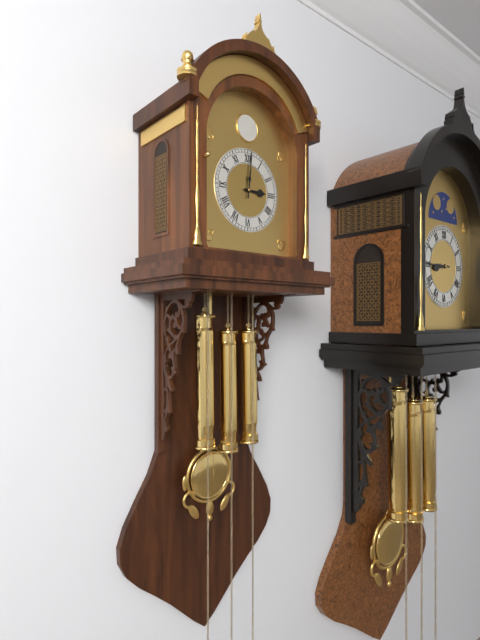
3.01
